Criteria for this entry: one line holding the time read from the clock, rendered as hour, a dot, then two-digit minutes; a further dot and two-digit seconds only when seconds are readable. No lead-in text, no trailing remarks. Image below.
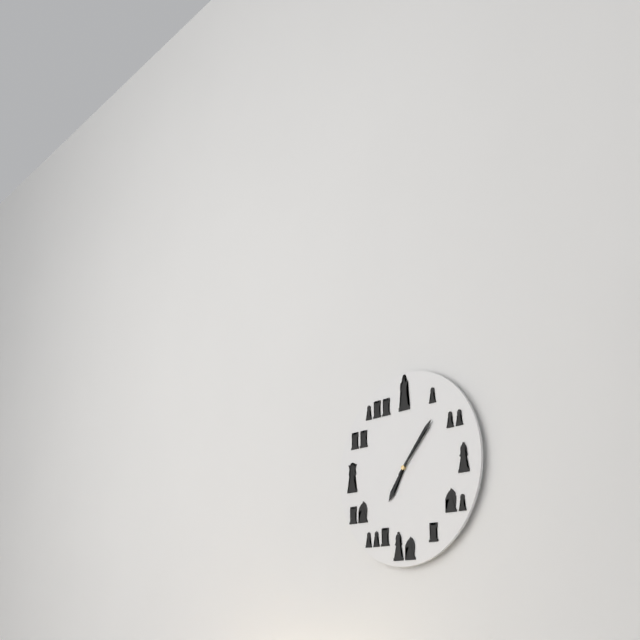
7.07
